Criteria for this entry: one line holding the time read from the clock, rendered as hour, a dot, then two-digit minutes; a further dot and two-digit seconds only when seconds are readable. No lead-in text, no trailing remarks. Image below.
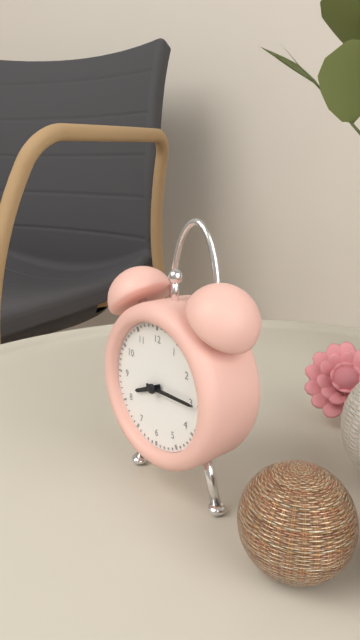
8.15
